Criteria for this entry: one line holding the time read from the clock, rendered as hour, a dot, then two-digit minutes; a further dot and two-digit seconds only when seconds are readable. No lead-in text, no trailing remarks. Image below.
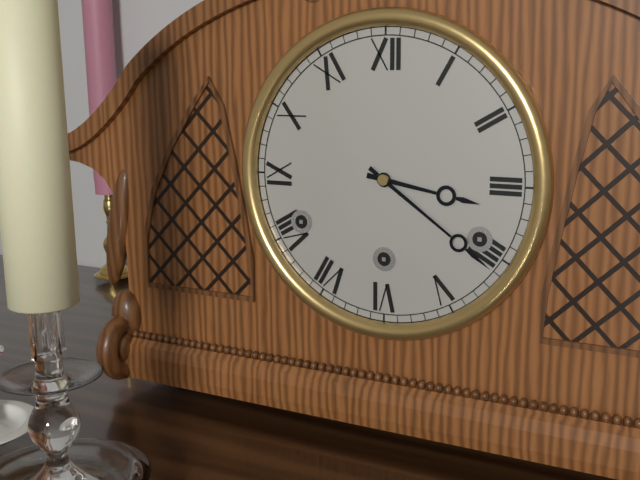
3.21
